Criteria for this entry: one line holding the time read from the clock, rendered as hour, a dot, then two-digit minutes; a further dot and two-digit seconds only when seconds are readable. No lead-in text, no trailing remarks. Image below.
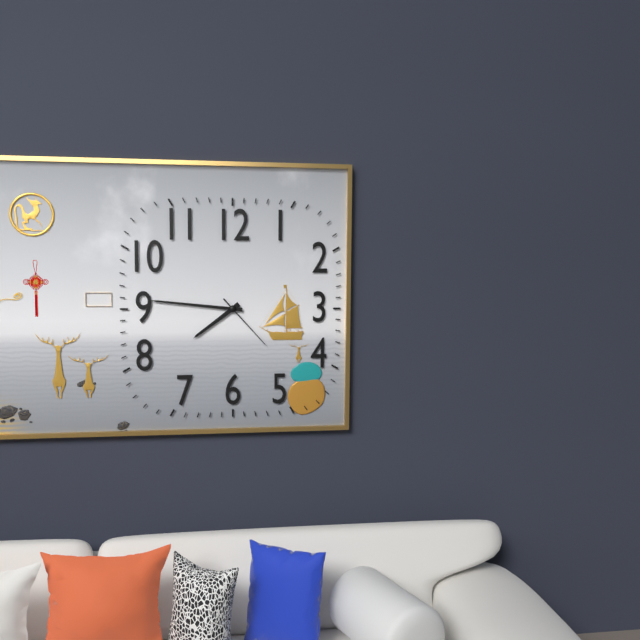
7.46.23
